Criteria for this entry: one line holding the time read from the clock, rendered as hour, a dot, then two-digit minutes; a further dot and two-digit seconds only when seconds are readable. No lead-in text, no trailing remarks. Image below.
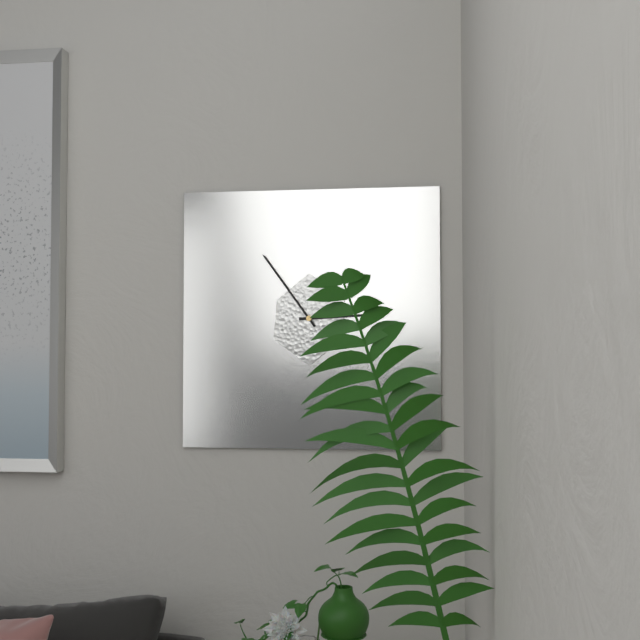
2.54
